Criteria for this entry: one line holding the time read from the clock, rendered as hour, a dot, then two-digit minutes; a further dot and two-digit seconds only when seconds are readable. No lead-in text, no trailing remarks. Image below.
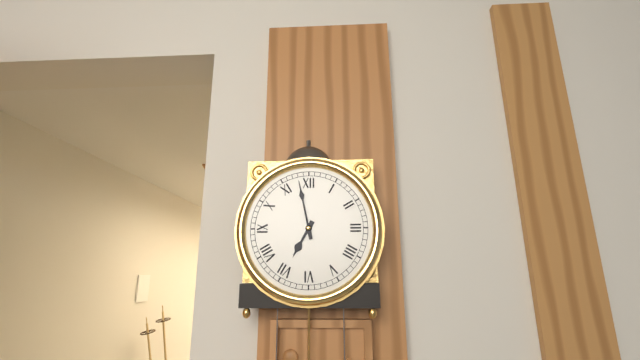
6.58
